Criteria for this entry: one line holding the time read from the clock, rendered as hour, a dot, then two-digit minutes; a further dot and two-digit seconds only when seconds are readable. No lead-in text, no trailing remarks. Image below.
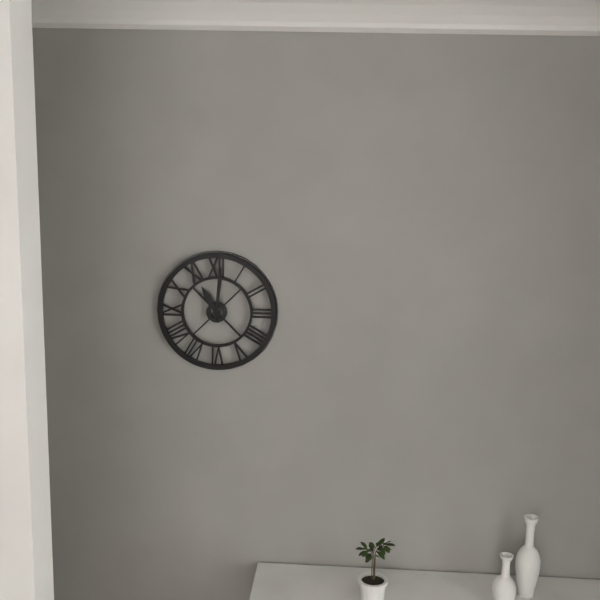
11.01
